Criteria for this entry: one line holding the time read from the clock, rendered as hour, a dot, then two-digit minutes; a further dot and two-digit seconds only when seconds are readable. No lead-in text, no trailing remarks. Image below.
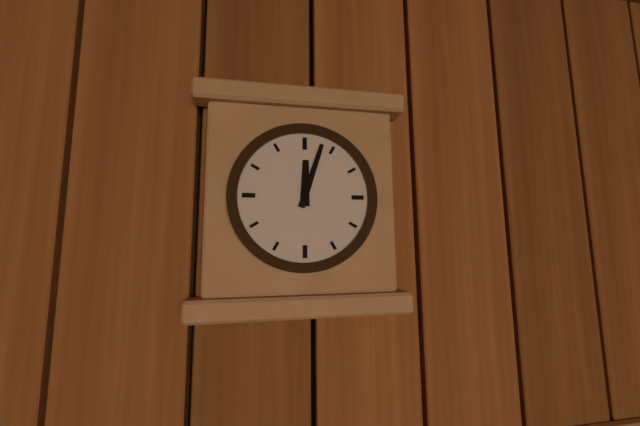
12.03
